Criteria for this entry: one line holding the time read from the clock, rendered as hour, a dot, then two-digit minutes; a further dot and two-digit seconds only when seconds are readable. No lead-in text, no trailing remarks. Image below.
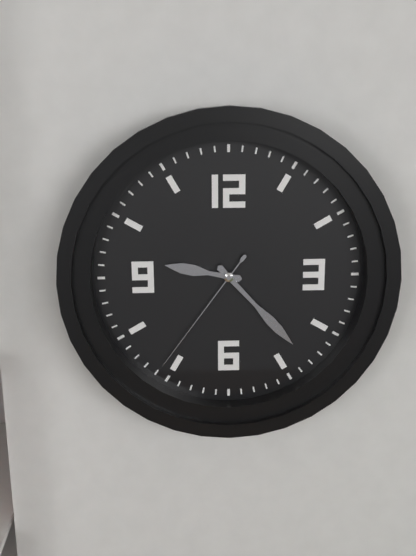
9.23.36
